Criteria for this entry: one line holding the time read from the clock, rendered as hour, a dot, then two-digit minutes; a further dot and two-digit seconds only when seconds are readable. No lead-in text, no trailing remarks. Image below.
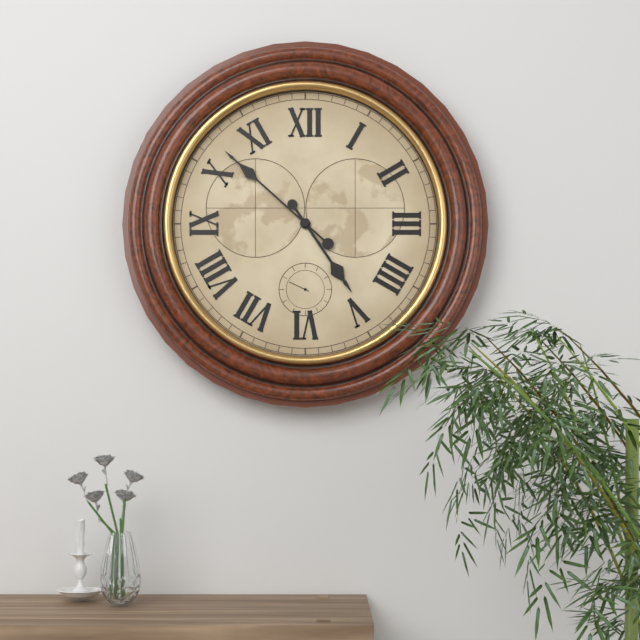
4.52
